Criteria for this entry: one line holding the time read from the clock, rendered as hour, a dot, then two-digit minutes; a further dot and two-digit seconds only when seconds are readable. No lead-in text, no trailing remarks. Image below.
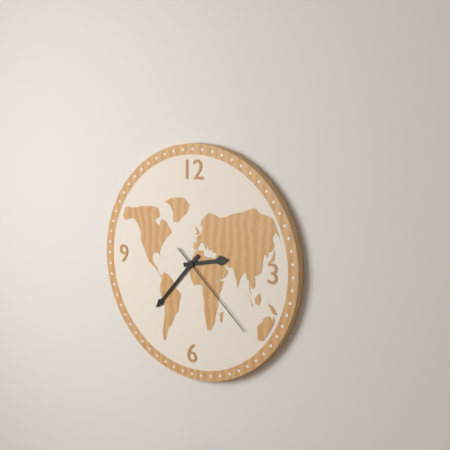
2.37.22
